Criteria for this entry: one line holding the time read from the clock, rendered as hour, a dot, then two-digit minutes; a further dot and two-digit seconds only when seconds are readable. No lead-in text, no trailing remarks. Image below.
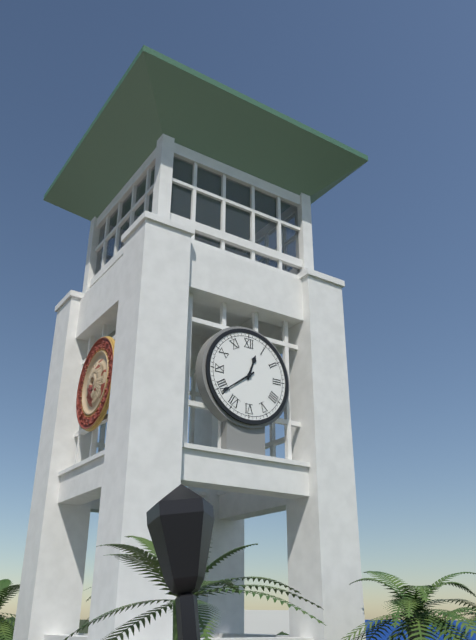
12.39
